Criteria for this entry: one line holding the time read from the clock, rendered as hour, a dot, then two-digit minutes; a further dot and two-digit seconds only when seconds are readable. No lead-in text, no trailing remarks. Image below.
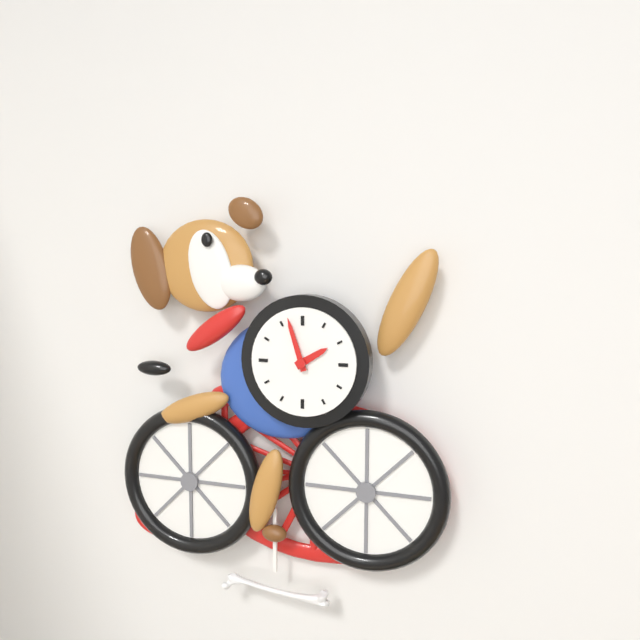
1.57
